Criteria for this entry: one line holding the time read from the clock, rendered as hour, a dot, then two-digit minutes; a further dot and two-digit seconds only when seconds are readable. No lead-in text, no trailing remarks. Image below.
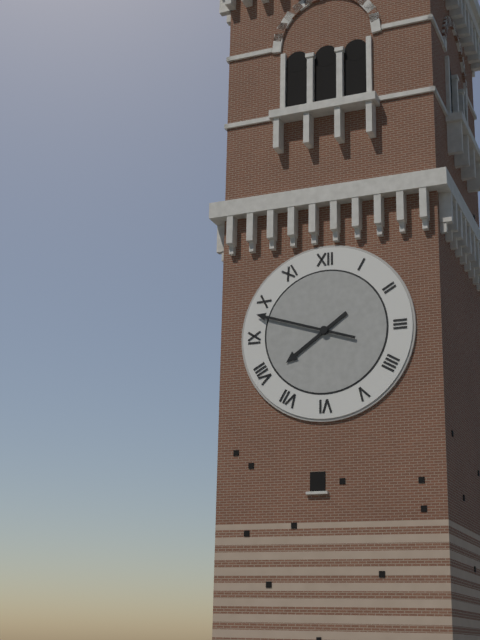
7.48
